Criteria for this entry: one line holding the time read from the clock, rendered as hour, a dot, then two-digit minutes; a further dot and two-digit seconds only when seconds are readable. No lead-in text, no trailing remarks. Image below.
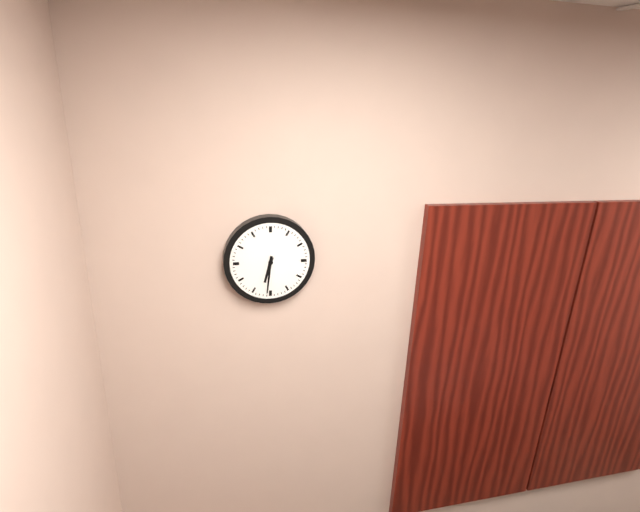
6.31
